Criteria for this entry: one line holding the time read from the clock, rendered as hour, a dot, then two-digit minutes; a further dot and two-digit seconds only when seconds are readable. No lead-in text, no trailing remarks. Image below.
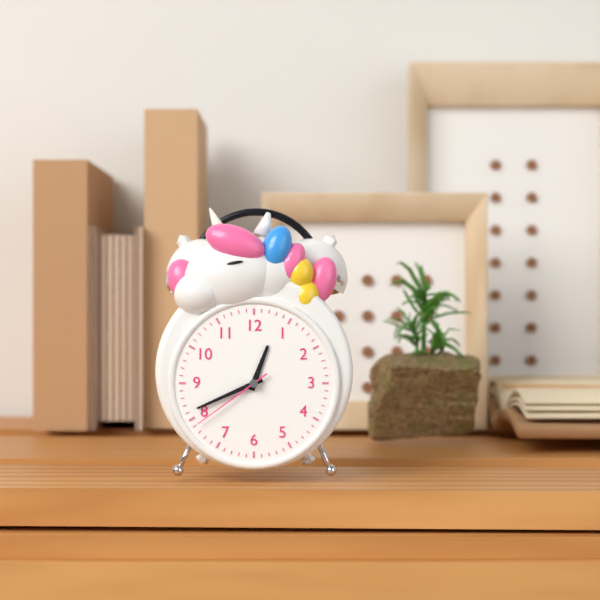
12.41.39
